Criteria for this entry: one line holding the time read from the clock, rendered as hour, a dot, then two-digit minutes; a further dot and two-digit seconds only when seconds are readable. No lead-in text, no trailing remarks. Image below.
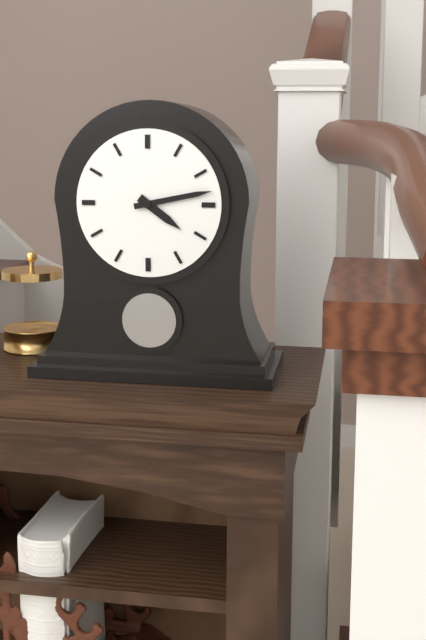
4.13
